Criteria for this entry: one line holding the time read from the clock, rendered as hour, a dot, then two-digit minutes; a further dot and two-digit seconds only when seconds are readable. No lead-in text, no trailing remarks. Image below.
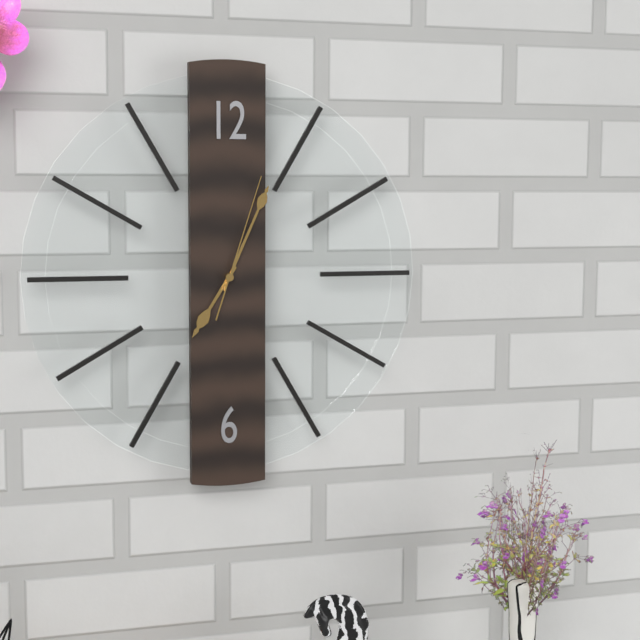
7.04.03
